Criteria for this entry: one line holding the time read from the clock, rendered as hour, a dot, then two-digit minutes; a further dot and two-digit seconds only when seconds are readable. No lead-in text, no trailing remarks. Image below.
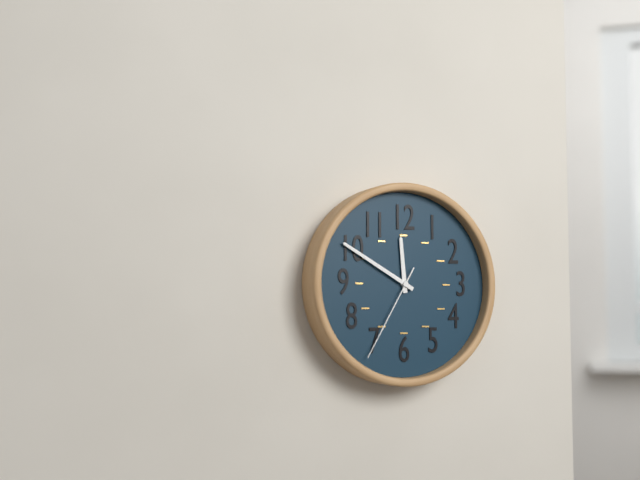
11.50.35
